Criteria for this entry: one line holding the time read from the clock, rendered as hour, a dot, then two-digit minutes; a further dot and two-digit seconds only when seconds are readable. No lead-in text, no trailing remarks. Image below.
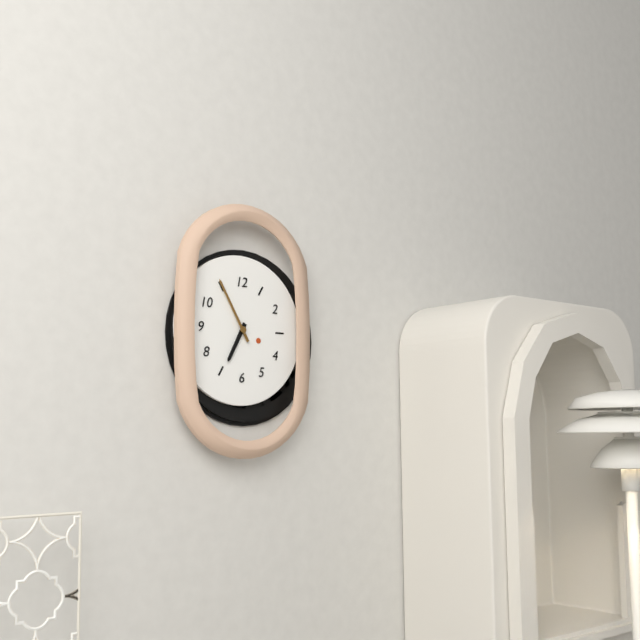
6.55
